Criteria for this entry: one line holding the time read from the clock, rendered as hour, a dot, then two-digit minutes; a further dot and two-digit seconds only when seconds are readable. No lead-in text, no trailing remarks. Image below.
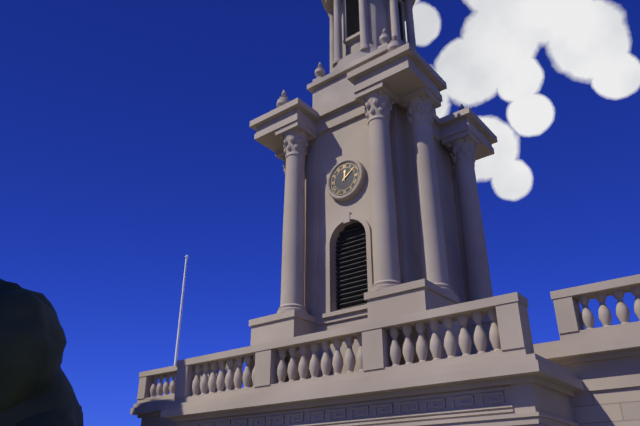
12.09
